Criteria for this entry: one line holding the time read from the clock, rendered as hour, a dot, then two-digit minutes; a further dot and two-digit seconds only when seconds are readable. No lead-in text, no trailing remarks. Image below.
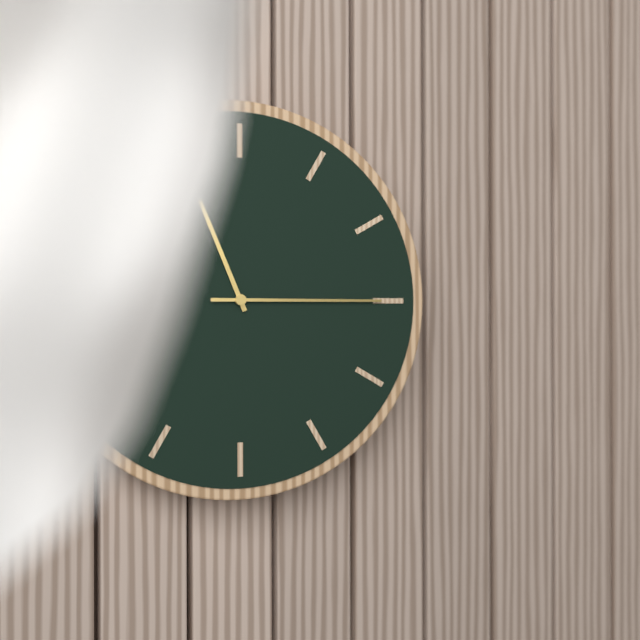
11.15
